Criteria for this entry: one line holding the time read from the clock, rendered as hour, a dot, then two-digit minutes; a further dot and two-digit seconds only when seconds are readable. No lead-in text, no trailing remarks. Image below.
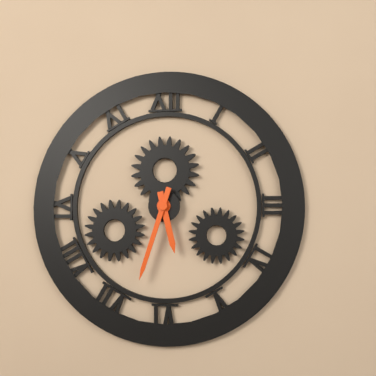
5.33
